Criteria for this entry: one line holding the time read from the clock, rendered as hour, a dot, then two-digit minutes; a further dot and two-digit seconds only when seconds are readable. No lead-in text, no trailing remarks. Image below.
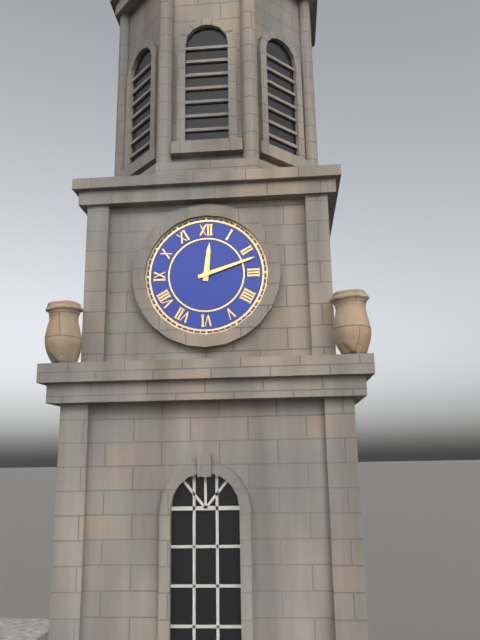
12.12
